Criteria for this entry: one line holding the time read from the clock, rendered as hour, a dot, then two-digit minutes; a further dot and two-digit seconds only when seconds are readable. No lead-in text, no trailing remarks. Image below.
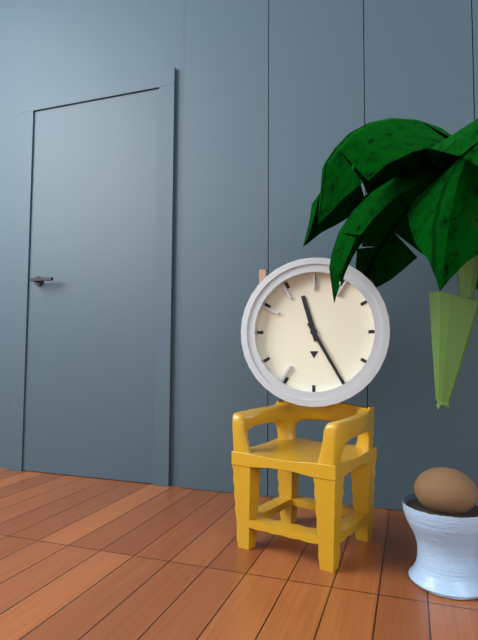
11.25
